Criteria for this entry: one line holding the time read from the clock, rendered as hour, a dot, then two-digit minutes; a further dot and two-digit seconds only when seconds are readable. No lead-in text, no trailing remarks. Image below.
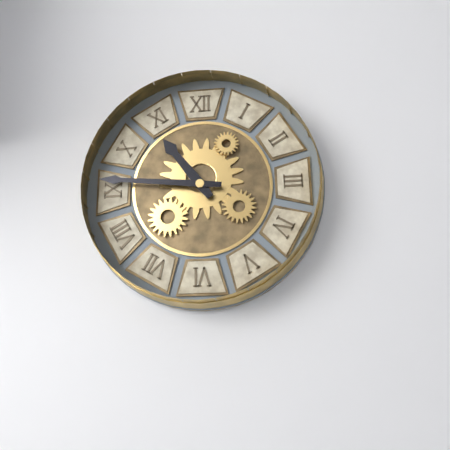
10.46
